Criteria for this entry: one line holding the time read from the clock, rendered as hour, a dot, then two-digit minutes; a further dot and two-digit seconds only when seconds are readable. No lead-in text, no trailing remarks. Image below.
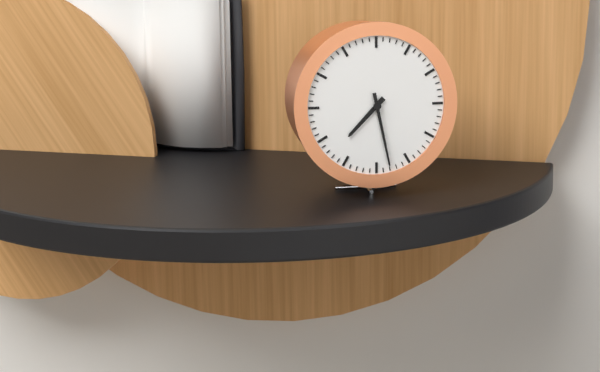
7.28
